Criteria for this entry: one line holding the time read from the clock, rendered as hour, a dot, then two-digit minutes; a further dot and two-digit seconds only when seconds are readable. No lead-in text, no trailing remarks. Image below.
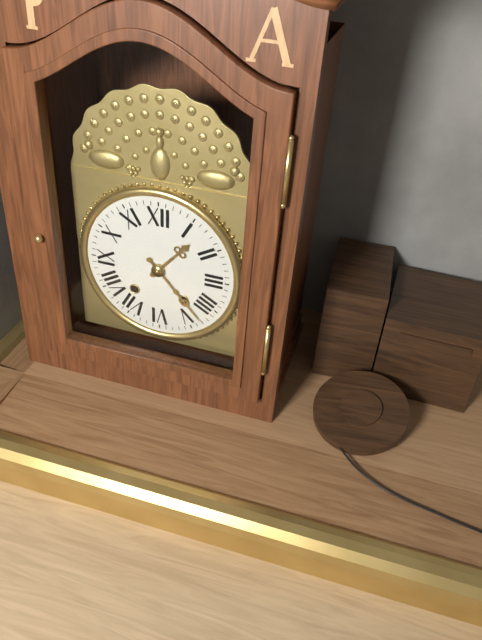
1.23
